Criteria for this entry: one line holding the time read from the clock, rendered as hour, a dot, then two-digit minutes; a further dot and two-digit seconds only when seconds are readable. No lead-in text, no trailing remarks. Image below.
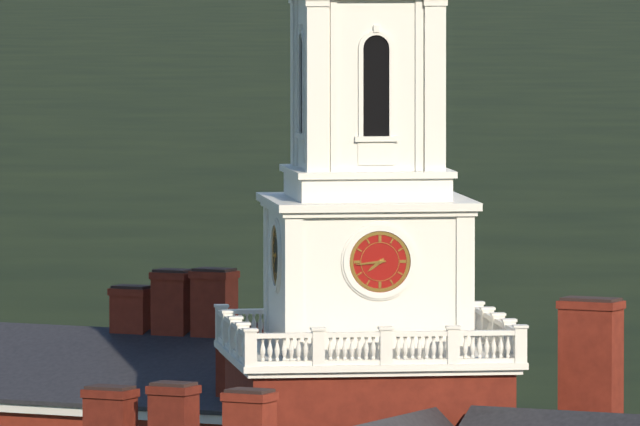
7.44
